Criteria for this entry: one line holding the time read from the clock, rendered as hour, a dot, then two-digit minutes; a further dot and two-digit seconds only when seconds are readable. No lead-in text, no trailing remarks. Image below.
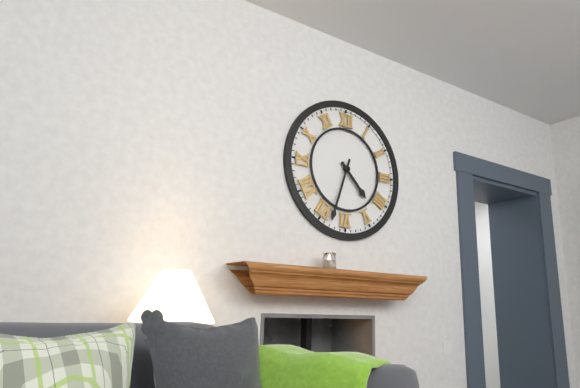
4.33
